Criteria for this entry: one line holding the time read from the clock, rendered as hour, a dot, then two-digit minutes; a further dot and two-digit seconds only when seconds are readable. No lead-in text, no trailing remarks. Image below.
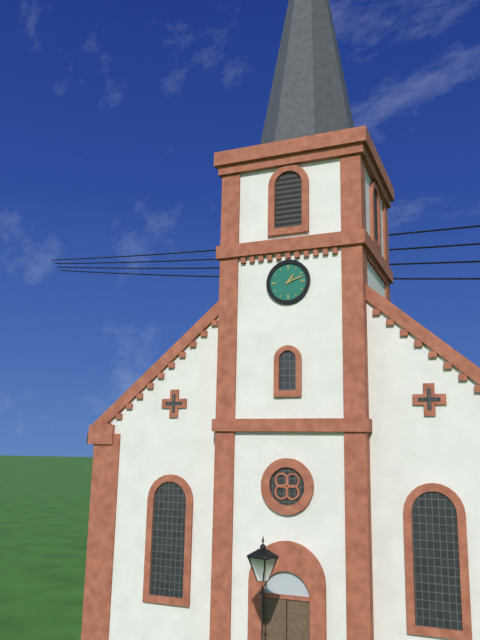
1.12
